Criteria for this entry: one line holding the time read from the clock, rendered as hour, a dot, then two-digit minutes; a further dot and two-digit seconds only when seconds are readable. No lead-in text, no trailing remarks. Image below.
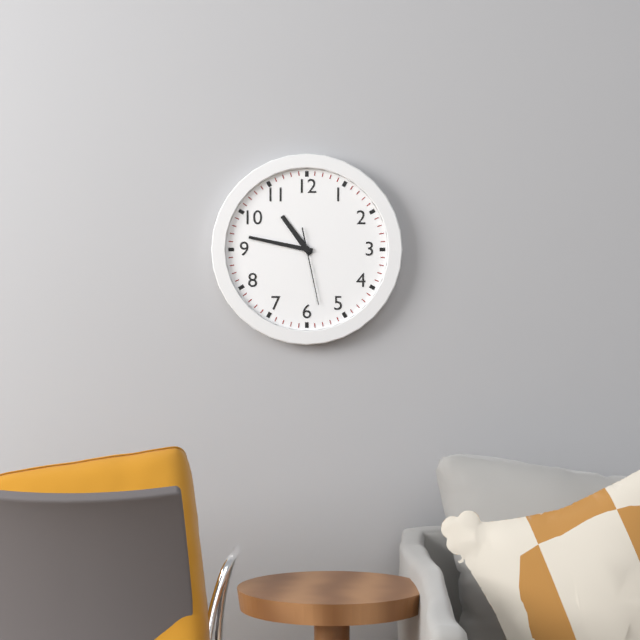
10.47.28
